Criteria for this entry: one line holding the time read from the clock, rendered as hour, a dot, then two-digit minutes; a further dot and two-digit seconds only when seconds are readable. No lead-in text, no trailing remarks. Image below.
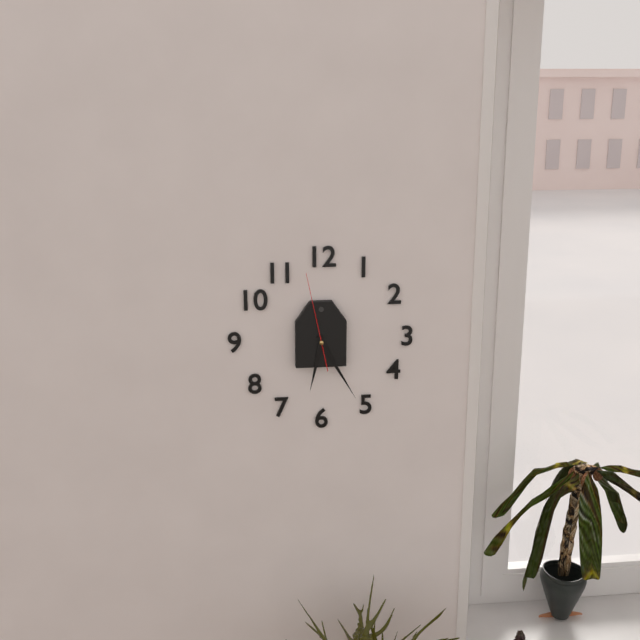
6.25.58
